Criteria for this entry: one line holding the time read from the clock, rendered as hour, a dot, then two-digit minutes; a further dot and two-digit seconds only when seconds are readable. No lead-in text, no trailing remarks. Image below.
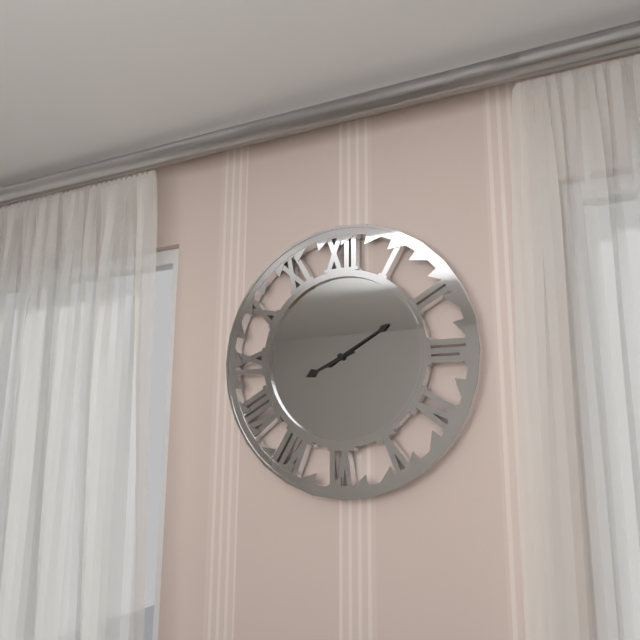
8.10
